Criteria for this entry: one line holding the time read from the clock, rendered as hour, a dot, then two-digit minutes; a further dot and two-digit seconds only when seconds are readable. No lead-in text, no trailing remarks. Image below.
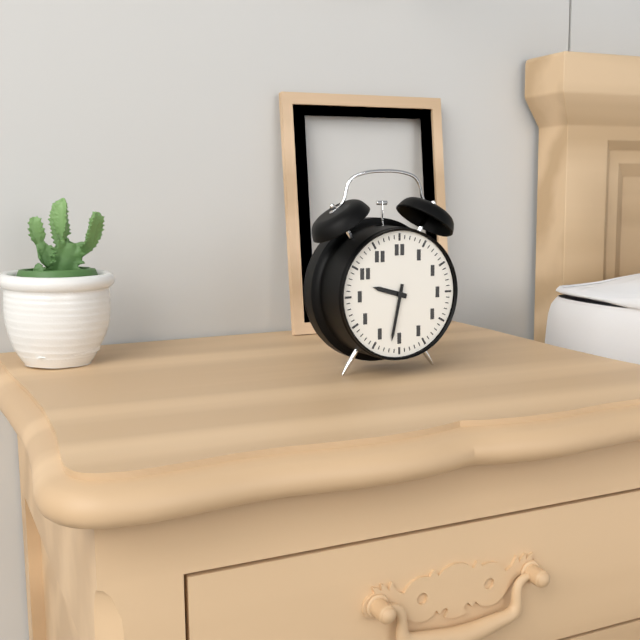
9.32
